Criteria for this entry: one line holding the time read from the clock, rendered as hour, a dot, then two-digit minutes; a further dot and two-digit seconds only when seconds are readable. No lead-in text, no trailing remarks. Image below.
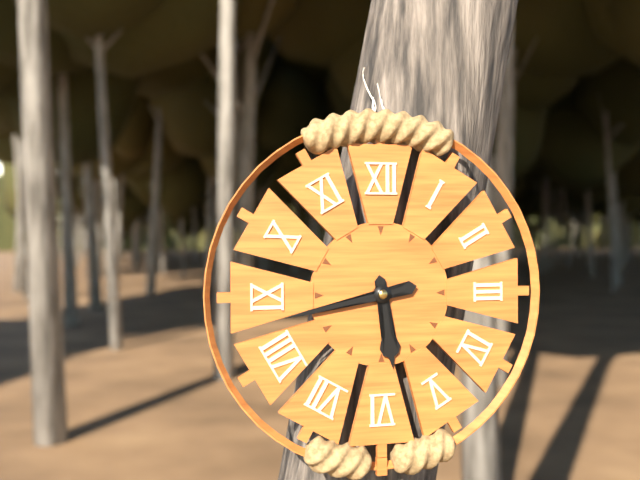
5.43
